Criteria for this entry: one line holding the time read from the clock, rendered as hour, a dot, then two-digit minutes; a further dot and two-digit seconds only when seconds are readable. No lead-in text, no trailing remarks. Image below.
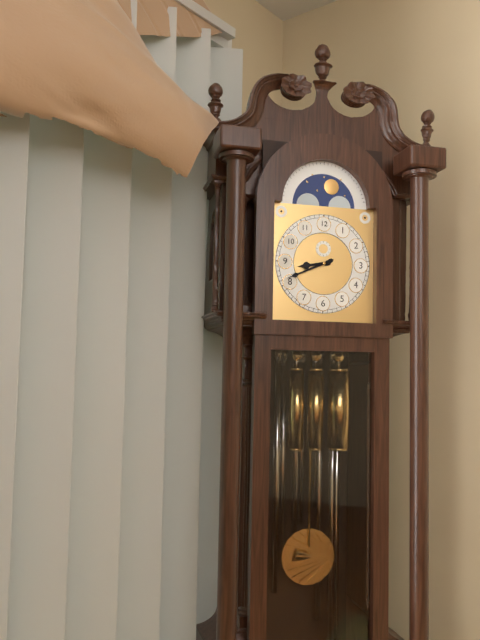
8.41
